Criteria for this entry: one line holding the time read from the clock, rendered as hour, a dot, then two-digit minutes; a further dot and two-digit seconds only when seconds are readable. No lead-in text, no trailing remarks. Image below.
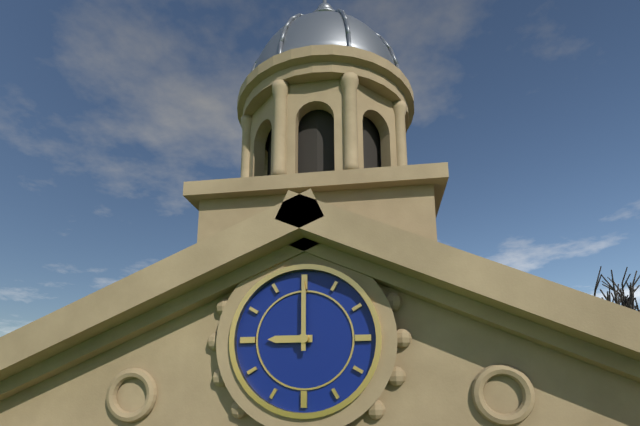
9.00
